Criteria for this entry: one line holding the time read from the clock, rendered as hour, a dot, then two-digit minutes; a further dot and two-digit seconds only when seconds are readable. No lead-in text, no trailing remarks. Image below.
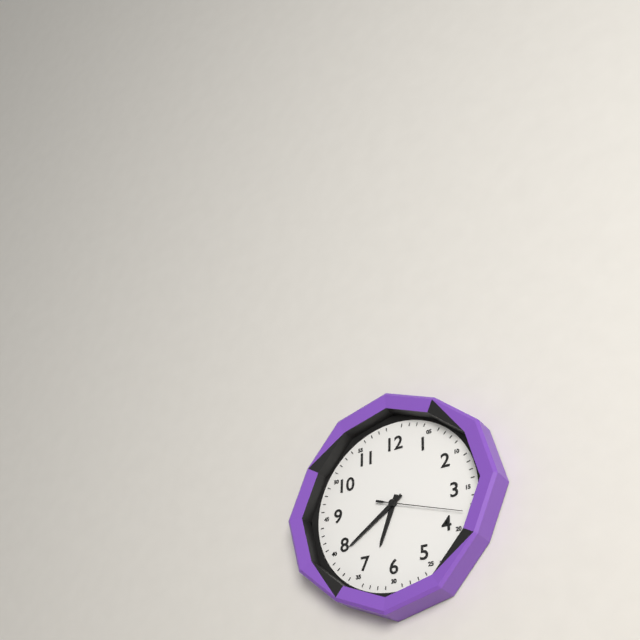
6.39.18
